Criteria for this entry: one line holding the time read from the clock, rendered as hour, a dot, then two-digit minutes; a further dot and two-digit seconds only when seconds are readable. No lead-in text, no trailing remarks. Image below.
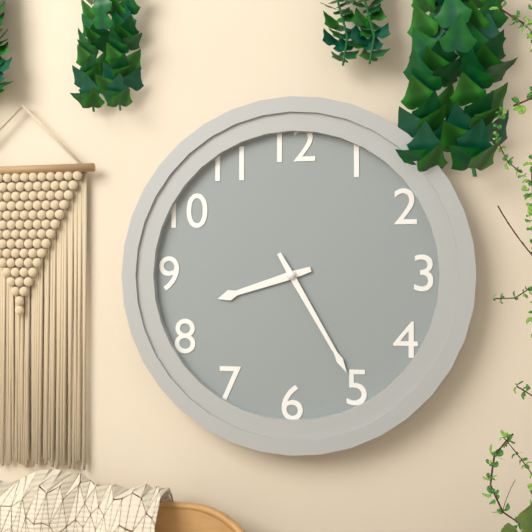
8.25
